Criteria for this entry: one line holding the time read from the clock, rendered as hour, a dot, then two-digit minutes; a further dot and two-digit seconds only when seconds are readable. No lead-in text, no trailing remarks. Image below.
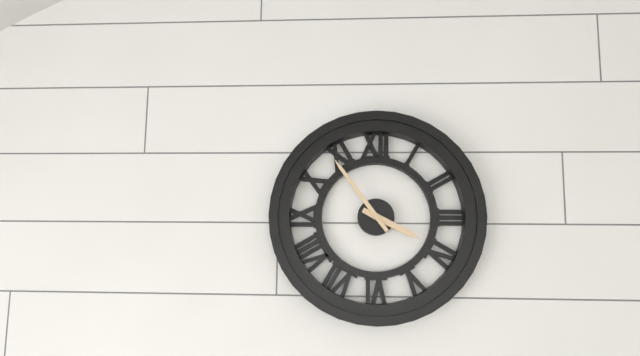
3.54
